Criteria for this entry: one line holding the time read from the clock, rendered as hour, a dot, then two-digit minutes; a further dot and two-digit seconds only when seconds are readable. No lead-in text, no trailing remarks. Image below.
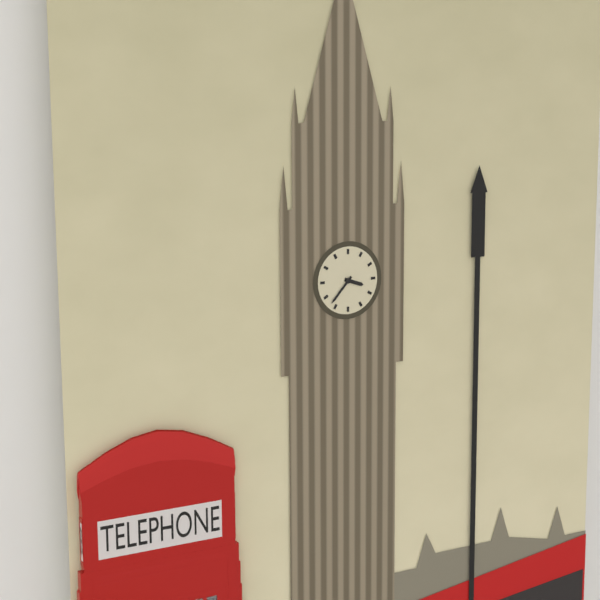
3.37
